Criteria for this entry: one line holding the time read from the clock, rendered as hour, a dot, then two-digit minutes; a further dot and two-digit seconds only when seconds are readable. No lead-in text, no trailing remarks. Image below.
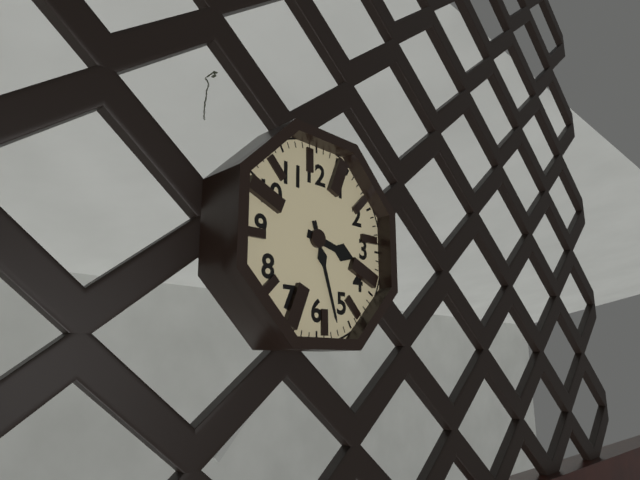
3.27
